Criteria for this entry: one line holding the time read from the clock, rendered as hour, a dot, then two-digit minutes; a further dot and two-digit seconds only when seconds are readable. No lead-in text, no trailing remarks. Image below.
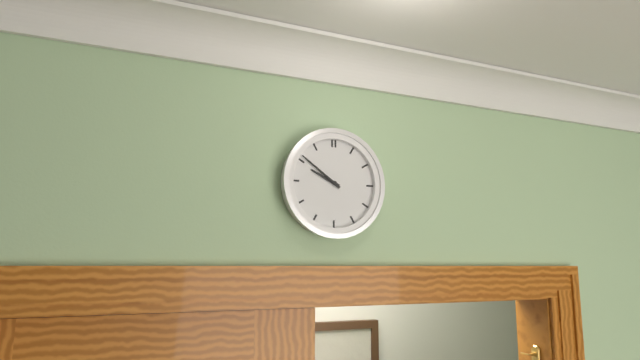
9.51
